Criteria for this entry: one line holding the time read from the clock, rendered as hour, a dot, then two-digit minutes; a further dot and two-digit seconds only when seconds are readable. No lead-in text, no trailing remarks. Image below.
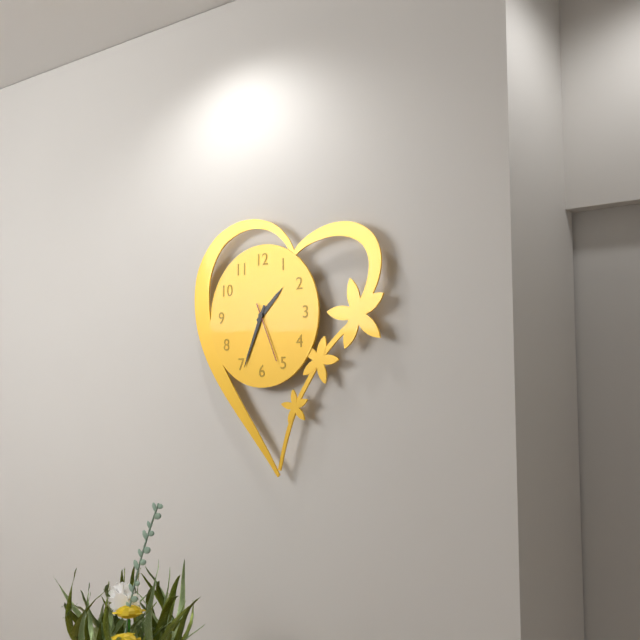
1.34.26
